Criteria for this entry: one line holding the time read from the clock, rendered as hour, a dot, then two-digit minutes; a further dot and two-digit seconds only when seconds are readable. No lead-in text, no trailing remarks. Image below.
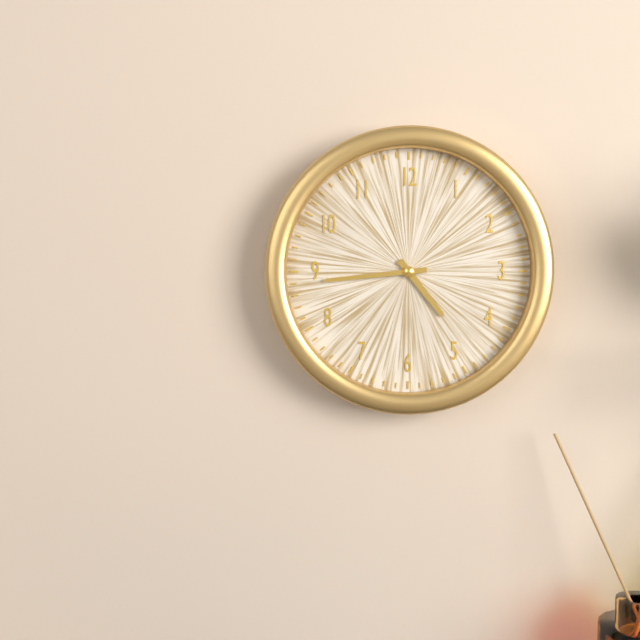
4.44
